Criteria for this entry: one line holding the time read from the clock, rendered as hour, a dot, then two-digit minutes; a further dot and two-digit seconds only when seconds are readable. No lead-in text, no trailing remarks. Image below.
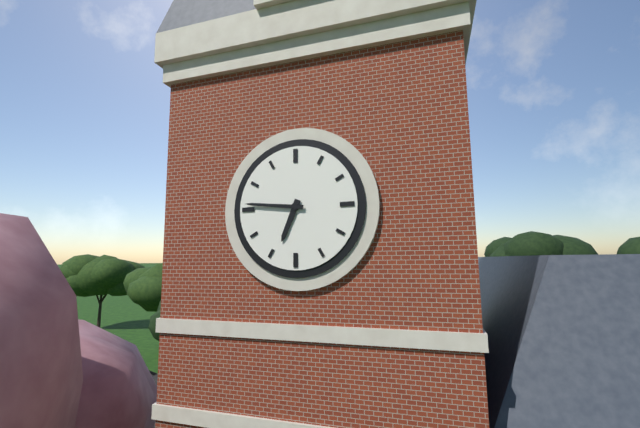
6.46
